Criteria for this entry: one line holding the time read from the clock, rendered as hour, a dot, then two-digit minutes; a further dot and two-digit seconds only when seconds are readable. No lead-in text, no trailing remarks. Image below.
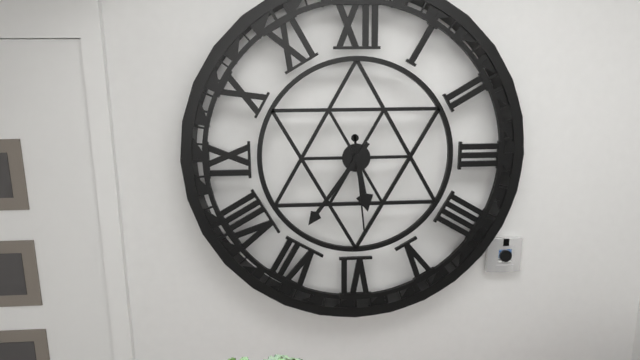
5.36.29
